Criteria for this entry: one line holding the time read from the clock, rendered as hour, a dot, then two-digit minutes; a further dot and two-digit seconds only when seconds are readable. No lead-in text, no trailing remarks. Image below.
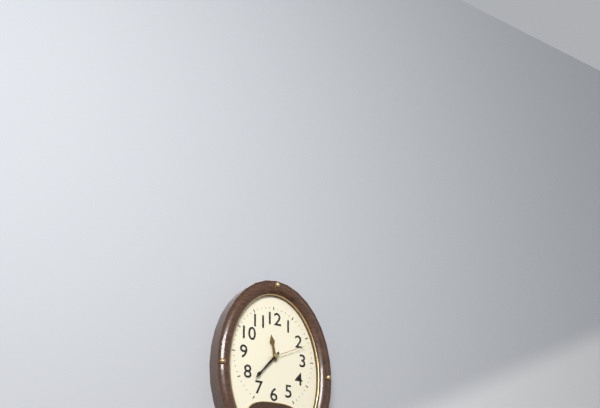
11.37
